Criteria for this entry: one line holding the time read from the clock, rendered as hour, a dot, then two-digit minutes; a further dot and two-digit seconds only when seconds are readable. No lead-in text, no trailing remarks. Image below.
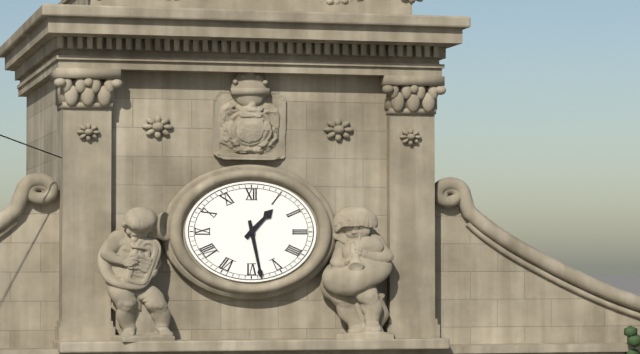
1.28
